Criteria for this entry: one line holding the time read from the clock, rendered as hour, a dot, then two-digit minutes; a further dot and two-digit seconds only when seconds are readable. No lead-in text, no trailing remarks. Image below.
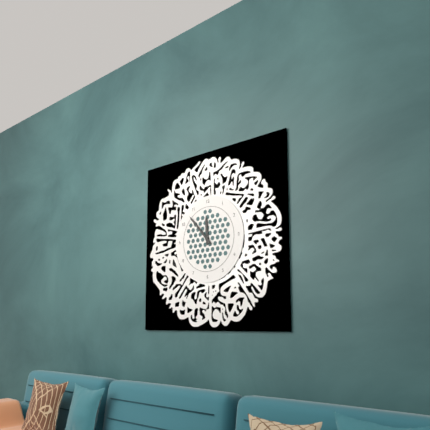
11.53
